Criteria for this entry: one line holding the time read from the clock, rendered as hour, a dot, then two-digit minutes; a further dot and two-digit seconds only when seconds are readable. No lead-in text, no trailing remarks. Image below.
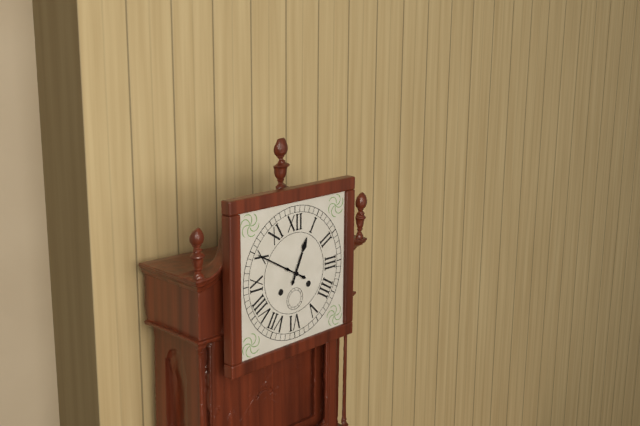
12.50
